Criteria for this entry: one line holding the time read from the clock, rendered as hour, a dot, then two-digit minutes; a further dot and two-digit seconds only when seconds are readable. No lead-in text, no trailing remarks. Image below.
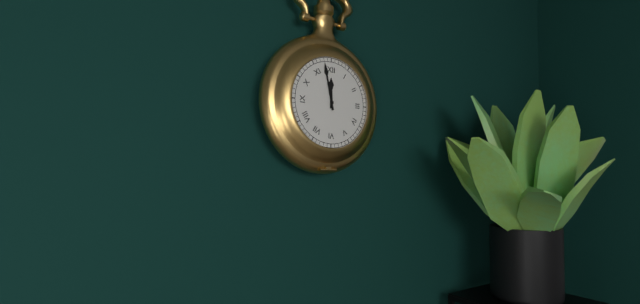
11.58
